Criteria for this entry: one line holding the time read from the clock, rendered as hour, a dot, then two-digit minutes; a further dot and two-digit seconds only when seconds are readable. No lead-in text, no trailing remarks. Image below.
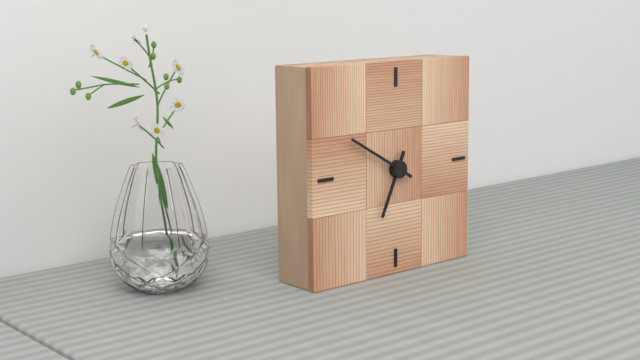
6.50
